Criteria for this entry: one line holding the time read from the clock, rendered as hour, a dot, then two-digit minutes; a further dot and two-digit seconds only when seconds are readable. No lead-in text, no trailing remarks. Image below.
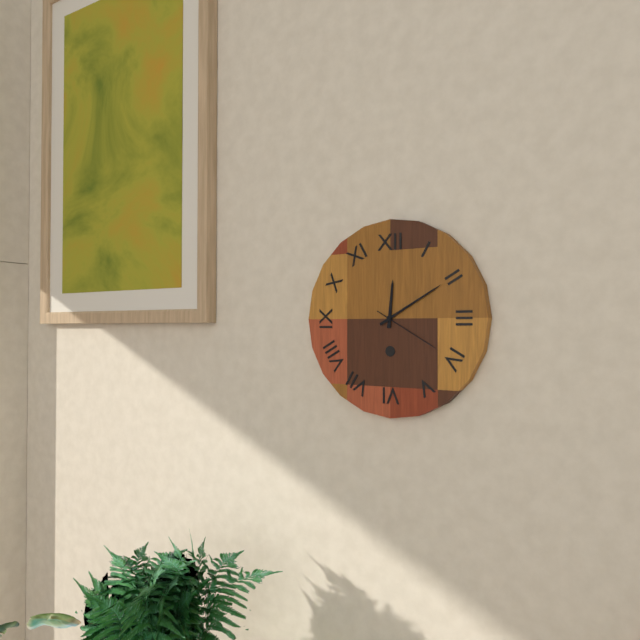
12.10.20
